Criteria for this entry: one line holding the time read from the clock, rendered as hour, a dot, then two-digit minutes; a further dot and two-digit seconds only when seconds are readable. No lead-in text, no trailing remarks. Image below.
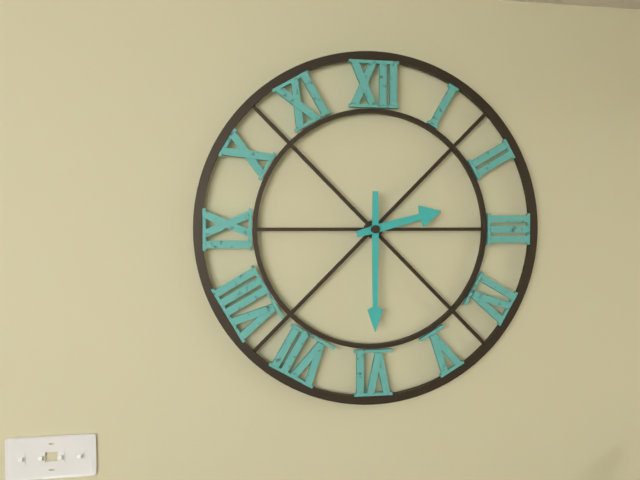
2.30
